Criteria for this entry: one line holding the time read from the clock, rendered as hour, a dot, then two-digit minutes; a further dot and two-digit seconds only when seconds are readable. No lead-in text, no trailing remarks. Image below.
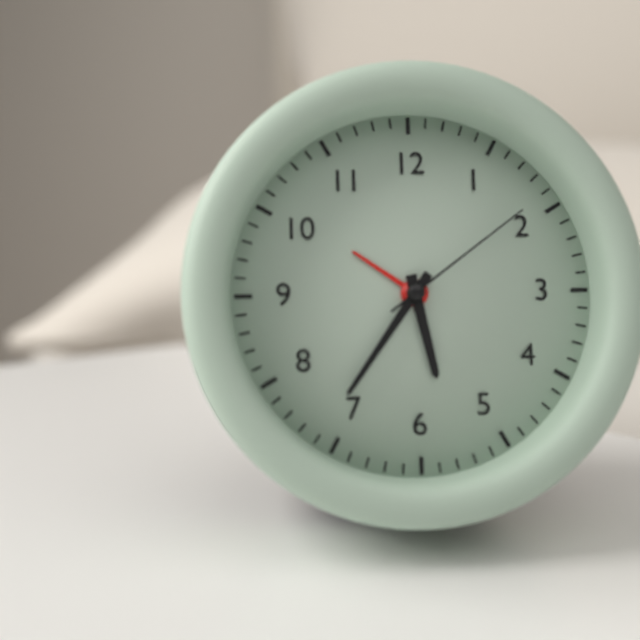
5.36.09
